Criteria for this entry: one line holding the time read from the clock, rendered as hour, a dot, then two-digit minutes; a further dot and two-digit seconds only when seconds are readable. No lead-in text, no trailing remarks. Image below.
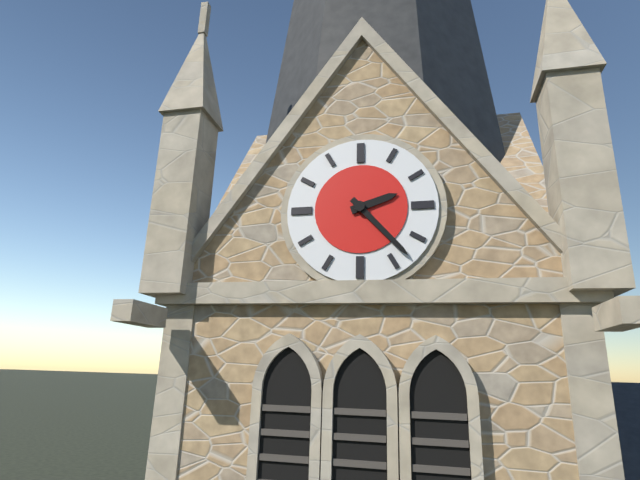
2.23
